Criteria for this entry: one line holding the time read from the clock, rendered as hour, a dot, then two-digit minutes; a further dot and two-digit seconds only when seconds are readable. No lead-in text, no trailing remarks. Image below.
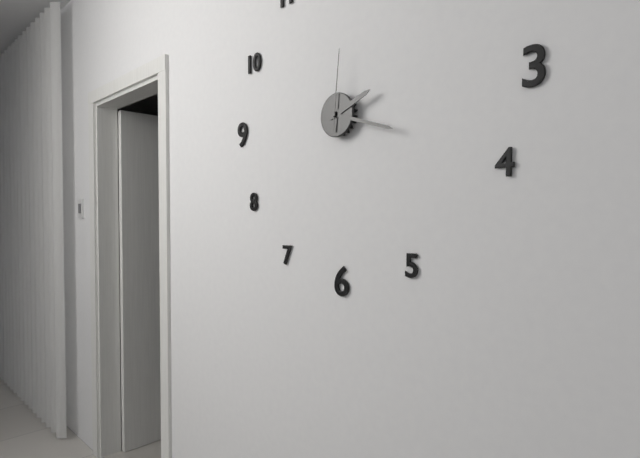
2.18.01
